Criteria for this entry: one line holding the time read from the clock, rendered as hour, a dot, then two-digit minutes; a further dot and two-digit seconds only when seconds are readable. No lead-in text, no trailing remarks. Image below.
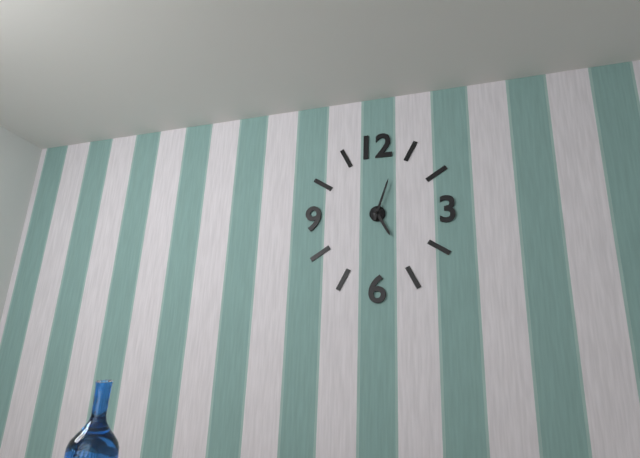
5.03
